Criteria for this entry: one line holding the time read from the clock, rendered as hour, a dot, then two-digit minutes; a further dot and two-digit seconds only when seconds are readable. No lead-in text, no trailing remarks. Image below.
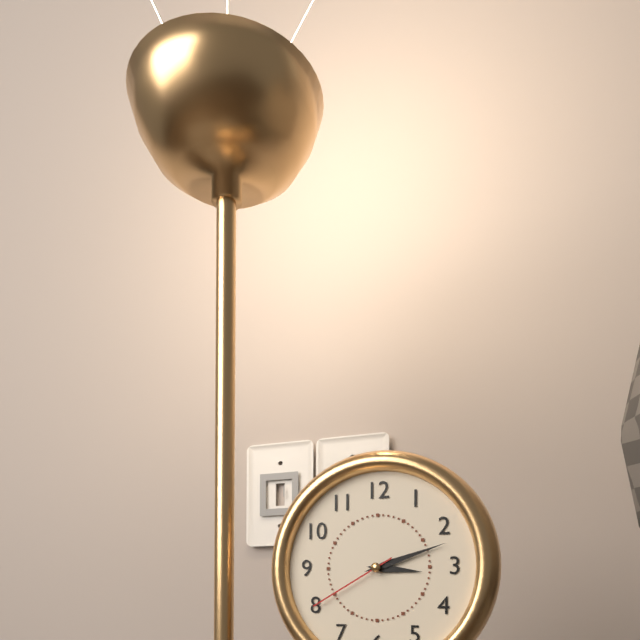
3.12.40
